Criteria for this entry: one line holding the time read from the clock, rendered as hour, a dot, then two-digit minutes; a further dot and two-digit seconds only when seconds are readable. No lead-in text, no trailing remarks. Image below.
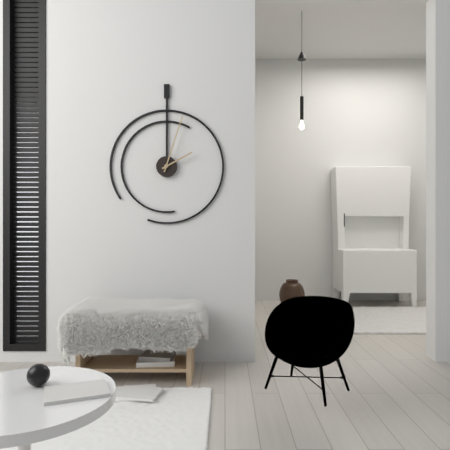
2.03
